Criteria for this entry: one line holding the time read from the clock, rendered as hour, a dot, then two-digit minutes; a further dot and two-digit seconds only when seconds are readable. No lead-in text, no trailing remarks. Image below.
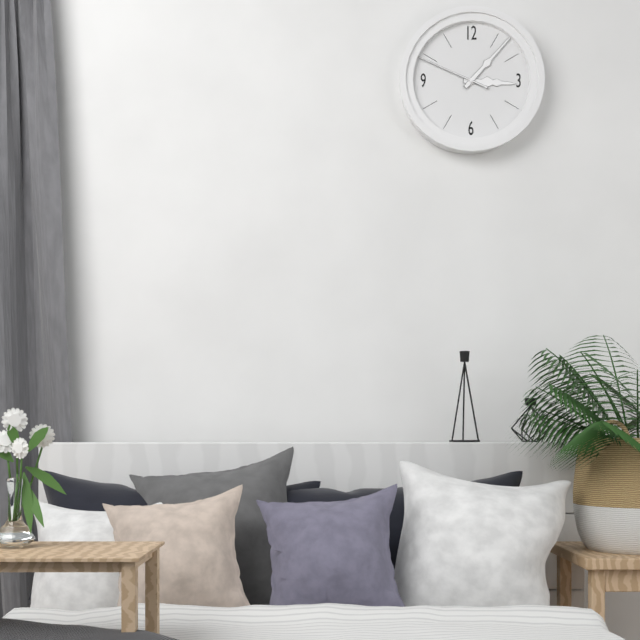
3.07.49
